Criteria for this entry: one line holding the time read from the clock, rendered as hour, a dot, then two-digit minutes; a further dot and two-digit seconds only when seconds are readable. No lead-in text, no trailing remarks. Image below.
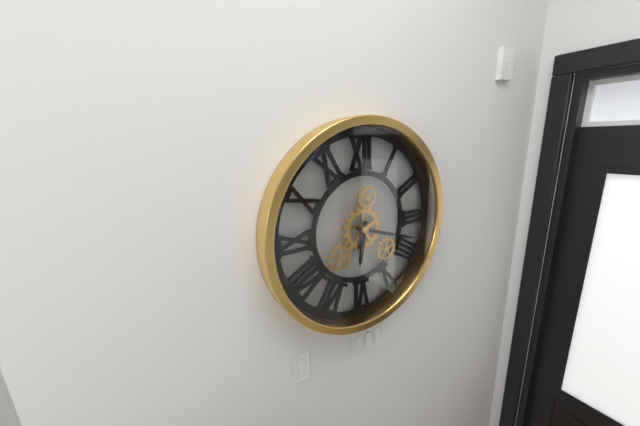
6.18
